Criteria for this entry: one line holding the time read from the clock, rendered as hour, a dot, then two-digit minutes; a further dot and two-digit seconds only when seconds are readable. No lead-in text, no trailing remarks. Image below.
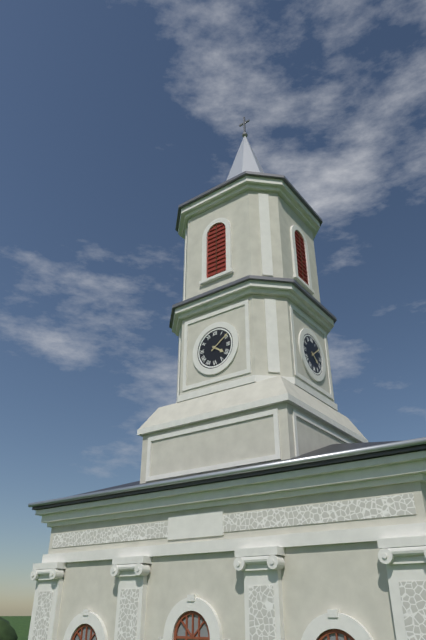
4.09
